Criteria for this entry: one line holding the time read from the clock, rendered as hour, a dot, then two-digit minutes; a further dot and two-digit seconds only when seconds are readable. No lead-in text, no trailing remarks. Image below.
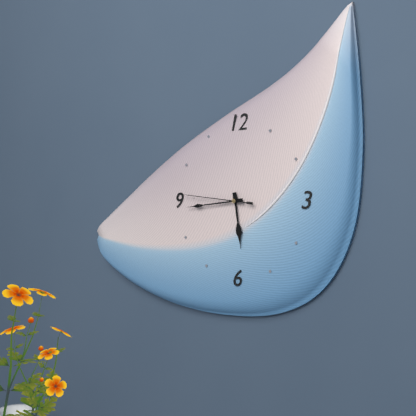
5.44.46
